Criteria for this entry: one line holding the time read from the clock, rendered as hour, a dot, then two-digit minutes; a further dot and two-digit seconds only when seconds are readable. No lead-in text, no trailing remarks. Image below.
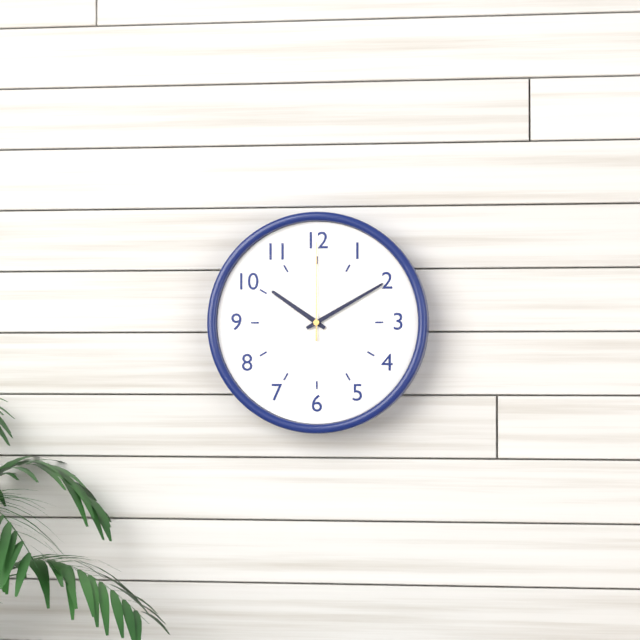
10.10.00
